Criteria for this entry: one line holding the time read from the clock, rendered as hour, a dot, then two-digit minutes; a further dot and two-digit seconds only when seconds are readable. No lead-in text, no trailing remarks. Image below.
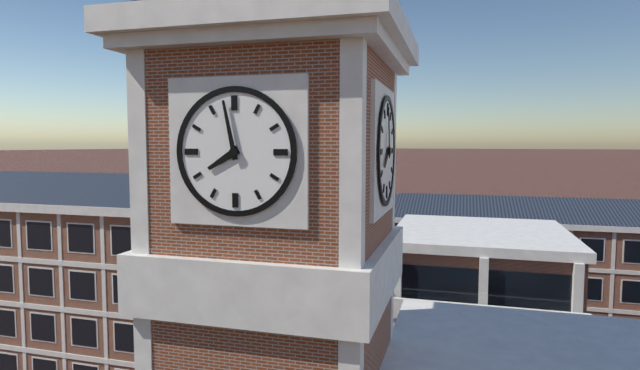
7.58
